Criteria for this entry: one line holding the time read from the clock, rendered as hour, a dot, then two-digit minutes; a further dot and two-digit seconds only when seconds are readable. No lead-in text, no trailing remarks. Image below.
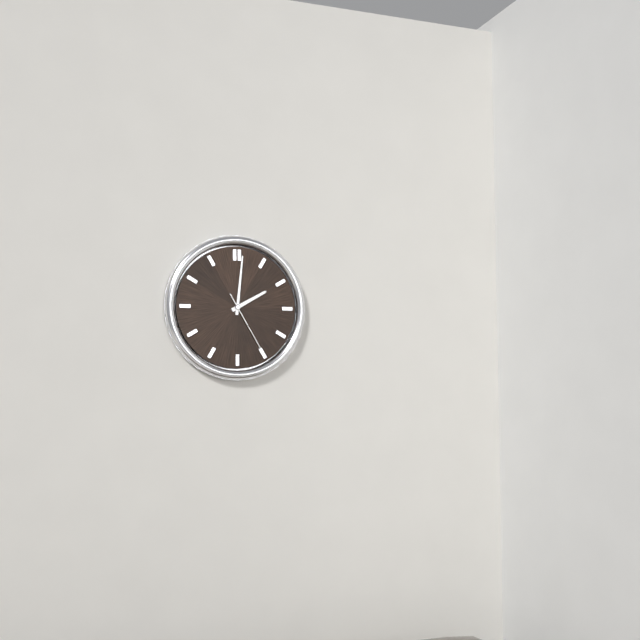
2.01.25
